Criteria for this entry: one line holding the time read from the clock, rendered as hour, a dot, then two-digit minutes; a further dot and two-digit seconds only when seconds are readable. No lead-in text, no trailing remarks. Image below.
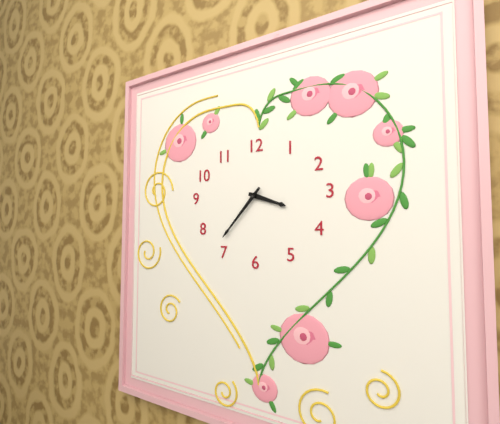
3.37
